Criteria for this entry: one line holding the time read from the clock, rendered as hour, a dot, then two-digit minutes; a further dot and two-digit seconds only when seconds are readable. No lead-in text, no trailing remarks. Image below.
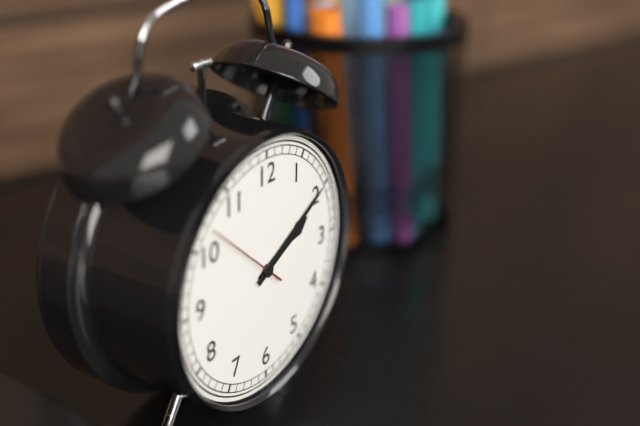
2.10.52
